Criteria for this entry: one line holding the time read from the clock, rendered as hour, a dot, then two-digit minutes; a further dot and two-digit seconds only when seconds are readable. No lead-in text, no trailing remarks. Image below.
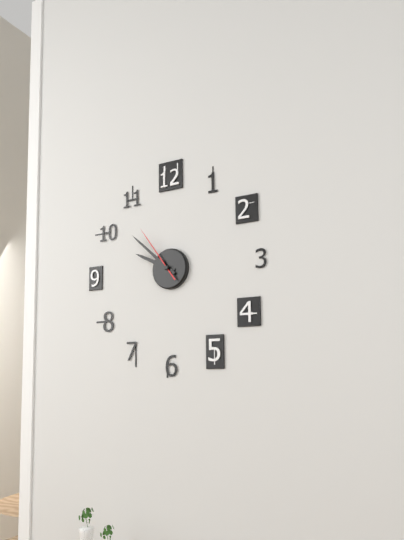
9.52.54
